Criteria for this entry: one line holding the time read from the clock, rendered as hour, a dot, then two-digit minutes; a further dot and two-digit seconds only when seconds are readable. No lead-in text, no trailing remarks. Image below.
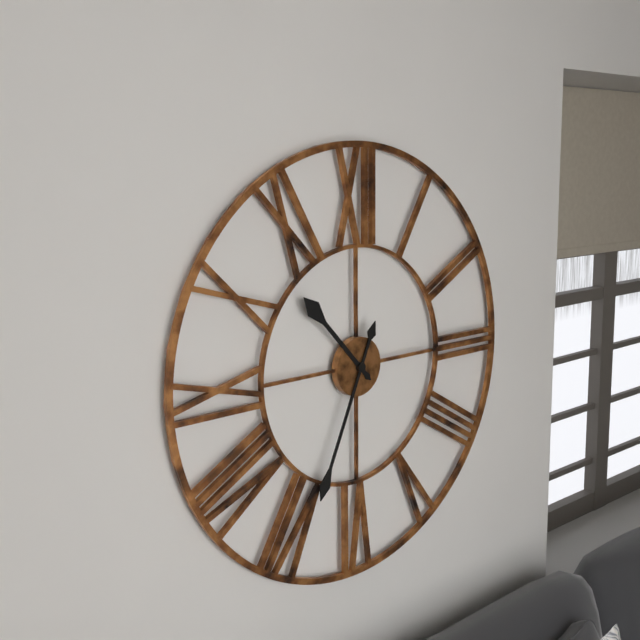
10.34
